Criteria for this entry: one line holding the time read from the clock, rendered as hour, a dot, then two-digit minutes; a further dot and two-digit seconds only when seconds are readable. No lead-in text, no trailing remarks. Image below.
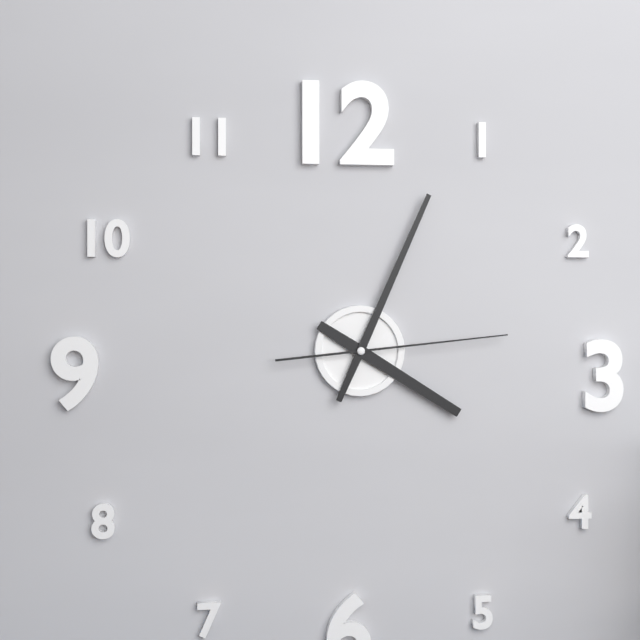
4.04.14
